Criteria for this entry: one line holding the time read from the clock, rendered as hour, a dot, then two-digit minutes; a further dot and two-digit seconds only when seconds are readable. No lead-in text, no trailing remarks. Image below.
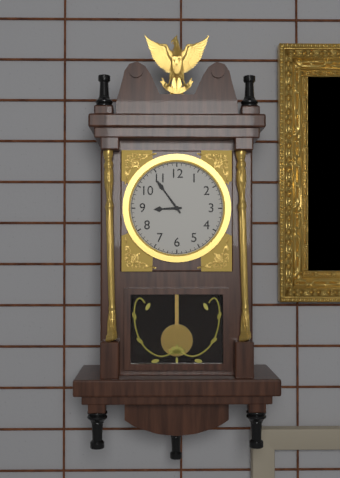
8.54
